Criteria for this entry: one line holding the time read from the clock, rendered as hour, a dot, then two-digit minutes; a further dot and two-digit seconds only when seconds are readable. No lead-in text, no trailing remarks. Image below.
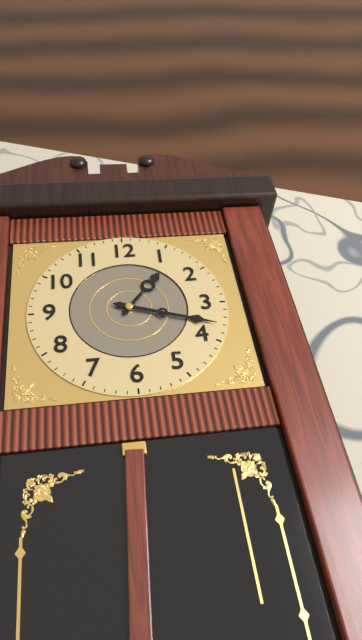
1.18
